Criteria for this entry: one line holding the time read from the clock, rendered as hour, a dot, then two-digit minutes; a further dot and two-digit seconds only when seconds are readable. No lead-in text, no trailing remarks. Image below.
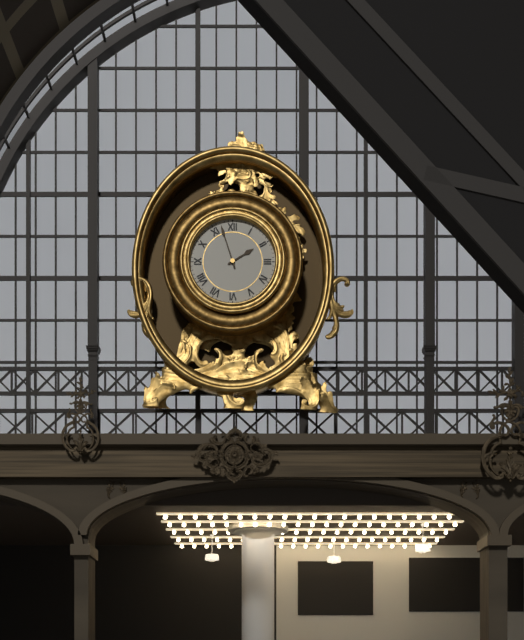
1.57
